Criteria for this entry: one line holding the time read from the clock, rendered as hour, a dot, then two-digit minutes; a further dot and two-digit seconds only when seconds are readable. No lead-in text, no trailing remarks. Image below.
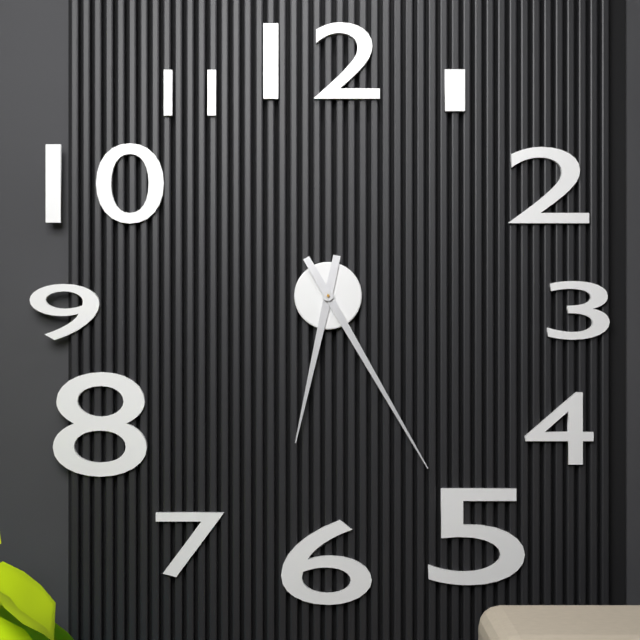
6.25
